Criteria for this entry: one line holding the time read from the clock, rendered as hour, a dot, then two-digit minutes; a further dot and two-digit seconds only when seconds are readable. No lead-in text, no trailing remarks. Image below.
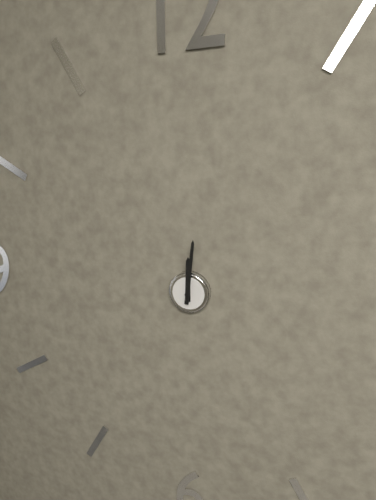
12.01
